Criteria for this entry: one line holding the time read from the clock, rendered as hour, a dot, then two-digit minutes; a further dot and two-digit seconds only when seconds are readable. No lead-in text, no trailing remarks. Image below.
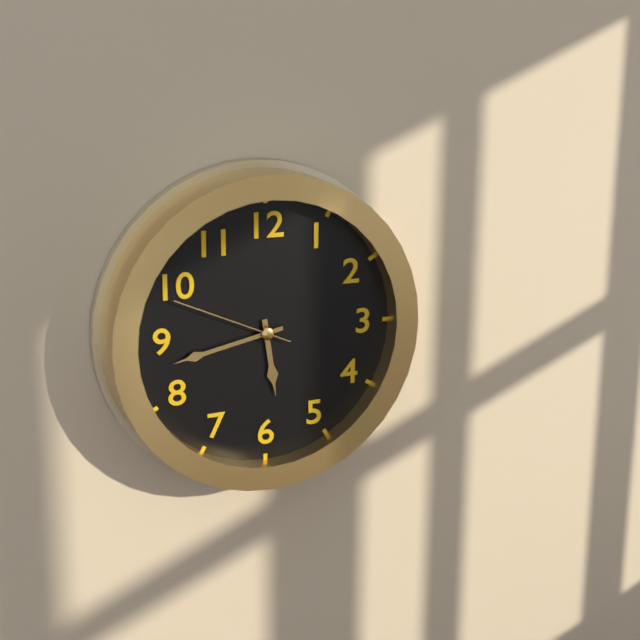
5.43.49
